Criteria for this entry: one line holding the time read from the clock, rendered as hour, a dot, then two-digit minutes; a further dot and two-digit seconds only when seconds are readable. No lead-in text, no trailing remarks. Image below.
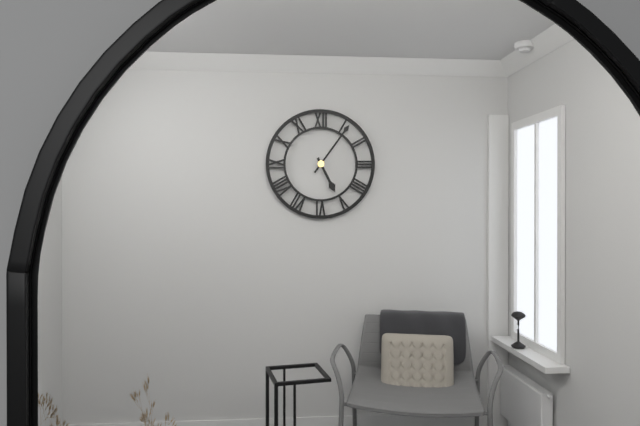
5.06
